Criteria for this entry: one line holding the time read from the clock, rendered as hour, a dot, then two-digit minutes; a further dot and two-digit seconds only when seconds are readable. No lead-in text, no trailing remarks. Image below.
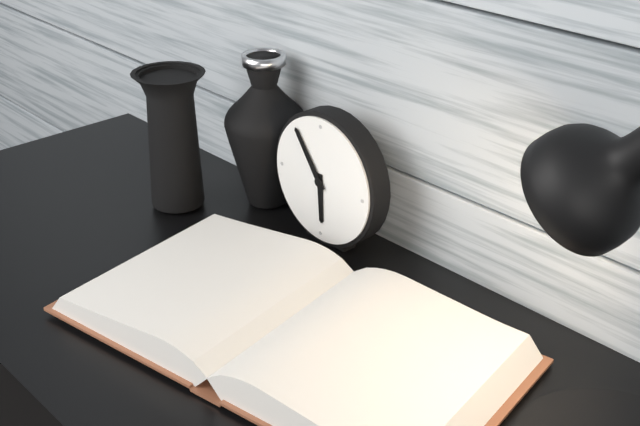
5.54
